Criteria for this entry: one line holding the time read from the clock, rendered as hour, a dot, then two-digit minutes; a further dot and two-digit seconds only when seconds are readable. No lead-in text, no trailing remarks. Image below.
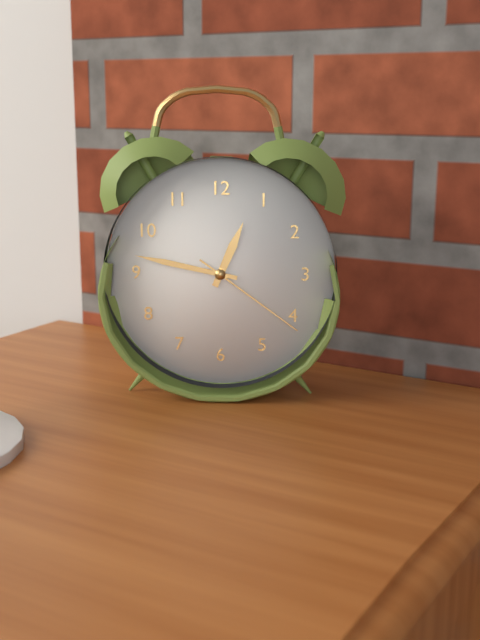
12.47.21
